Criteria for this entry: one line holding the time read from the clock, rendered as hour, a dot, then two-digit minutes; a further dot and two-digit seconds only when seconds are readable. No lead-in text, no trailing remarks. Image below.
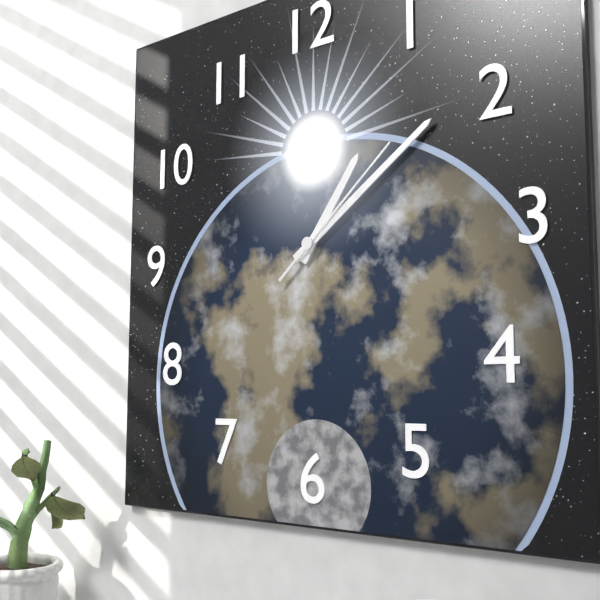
1.09.08
